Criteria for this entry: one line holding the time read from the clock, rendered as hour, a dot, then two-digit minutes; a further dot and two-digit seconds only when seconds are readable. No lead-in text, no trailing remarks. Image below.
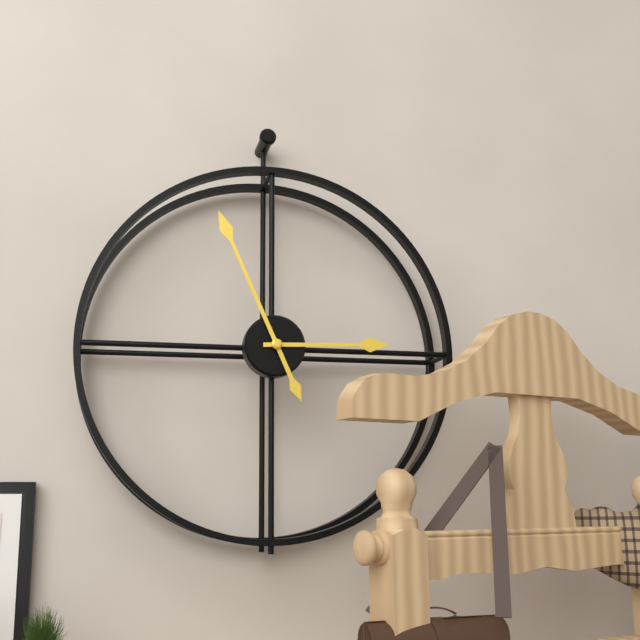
2.56
